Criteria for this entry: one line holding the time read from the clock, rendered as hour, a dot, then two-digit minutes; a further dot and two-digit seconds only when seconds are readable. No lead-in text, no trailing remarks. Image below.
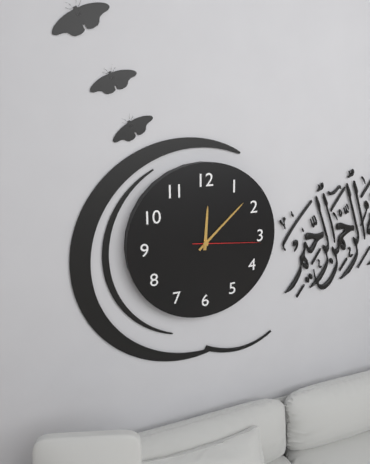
12.08.16
